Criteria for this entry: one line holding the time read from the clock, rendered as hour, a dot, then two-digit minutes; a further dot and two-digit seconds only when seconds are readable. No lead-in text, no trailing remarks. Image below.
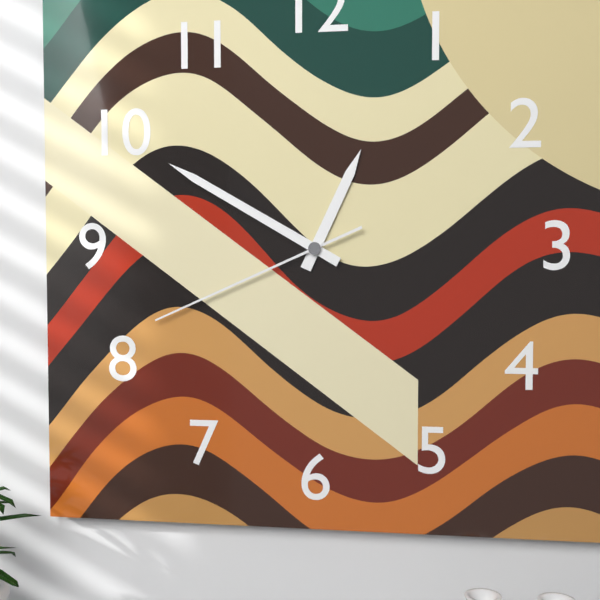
12.50.41
